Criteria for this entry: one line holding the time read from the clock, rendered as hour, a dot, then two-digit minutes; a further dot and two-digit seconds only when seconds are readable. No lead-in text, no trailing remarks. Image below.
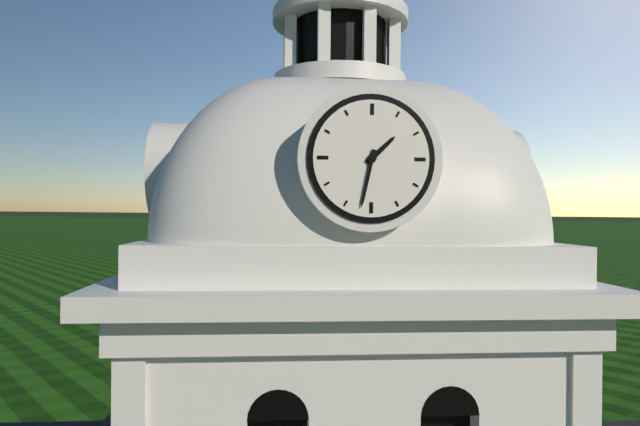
1.32
